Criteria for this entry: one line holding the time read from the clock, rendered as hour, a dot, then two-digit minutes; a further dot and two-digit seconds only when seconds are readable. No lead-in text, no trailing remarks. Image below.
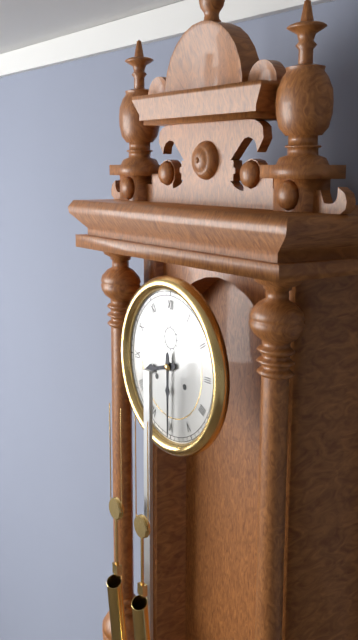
8.30
